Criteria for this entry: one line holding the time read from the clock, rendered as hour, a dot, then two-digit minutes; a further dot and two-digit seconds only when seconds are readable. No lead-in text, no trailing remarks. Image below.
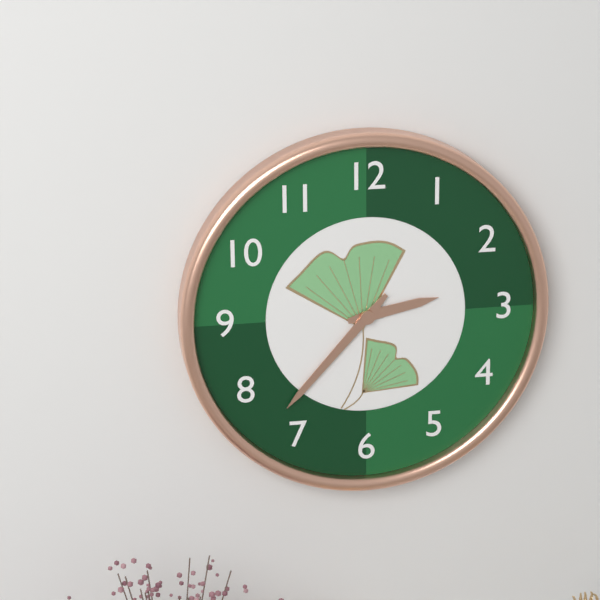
2.37
